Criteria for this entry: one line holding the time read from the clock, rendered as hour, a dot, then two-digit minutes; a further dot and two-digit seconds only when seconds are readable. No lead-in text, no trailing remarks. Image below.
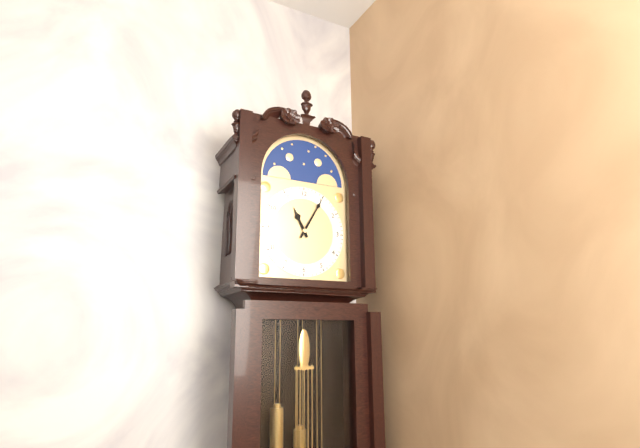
11.05
